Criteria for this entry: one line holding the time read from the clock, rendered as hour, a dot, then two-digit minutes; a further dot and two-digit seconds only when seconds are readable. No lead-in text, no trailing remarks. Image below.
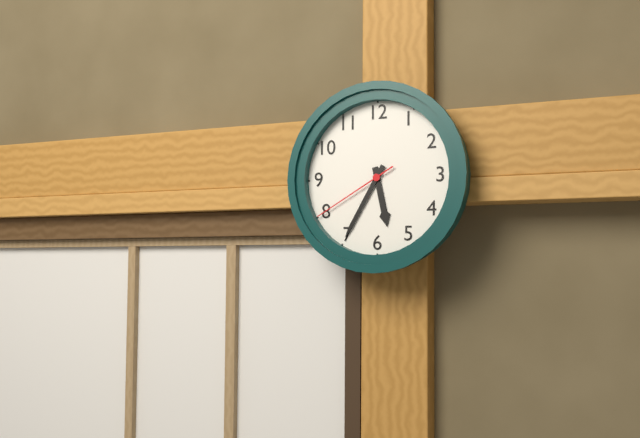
5.35.40
